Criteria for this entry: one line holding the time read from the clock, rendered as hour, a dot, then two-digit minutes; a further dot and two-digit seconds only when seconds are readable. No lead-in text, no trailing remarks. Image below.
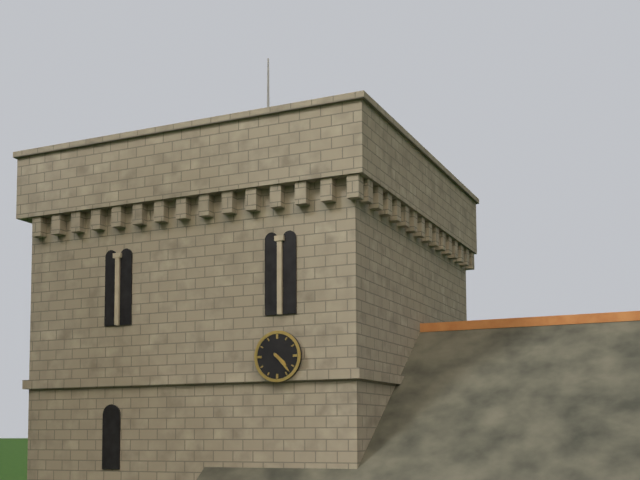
4.23
